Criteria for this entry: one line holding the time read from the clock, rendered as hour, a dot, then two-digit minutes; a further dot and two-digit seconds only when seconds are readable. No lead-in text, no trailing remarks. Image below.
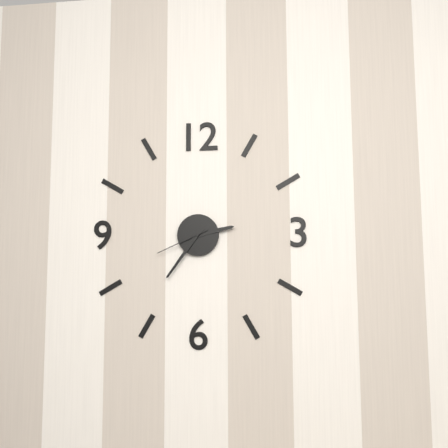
2.36.41
